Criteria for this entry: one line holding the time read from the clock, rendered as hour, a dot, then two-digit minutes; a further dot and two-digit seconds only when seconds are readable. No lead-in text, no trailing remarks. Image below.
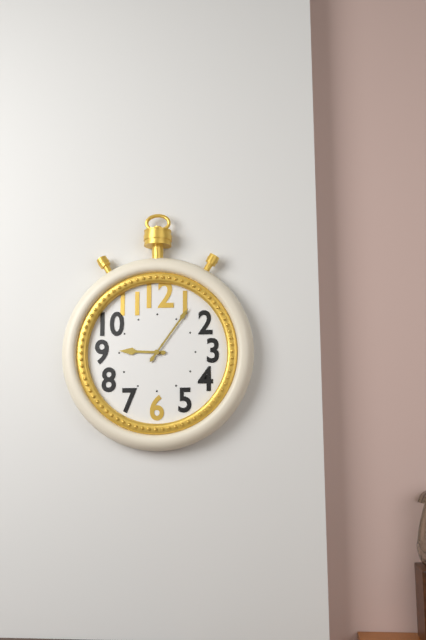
9.06
